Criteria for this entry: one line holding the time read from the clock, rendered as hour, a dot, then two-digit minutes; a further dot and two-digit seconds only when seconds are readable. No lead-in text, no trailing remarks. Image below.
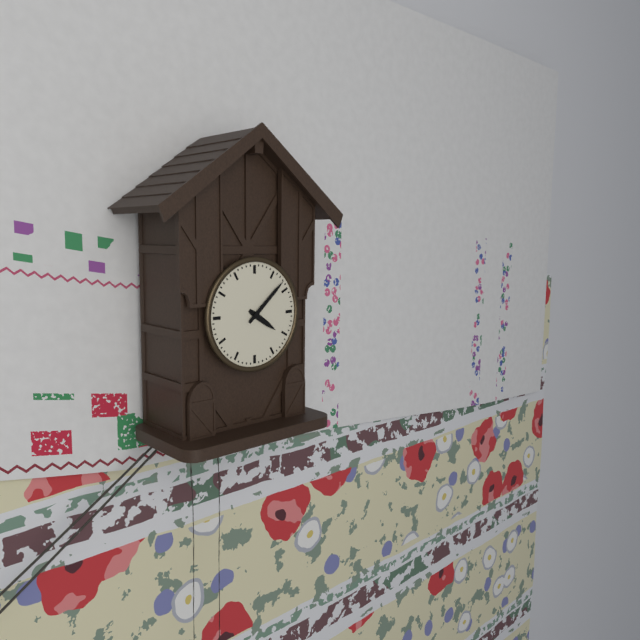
4.08
